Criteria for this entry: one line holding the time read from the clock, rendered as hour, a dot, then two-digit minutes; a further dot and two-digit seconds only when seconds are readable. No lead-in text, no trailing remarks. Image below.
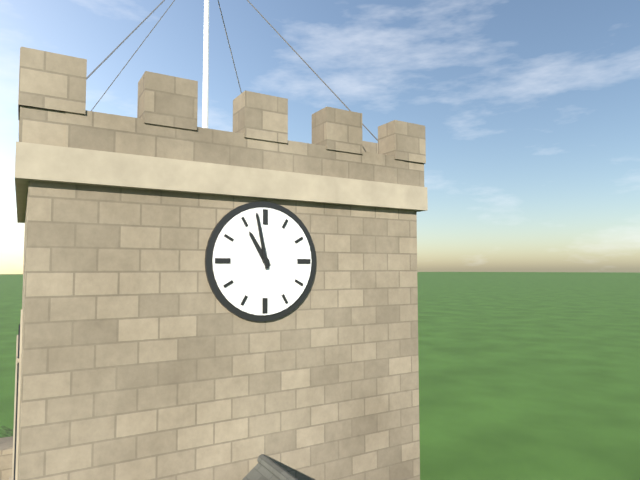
10.58
